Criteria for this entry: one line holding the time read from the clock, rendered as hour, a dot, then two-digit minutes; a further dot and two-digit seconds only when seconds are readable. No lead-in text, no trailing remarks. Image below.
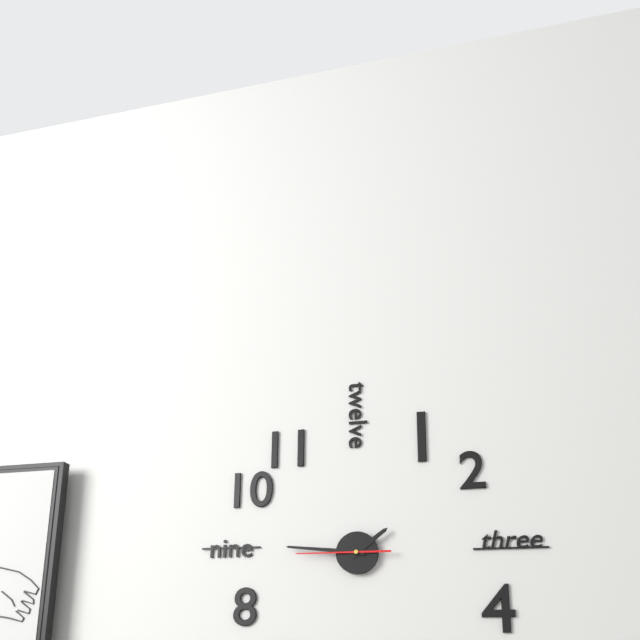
1.46.45
